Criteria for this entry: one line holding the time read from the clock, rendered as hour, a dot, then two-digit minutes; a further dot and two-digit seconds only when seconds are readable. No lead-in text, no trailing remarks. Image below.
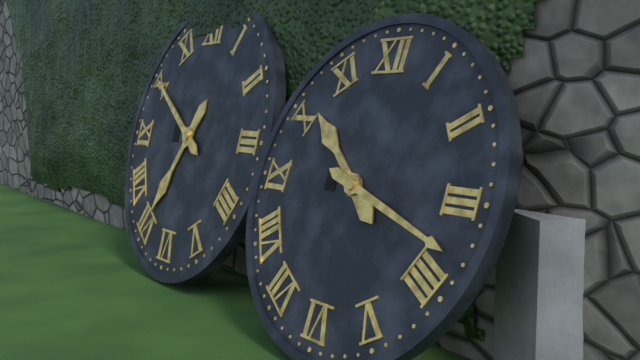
10.18
